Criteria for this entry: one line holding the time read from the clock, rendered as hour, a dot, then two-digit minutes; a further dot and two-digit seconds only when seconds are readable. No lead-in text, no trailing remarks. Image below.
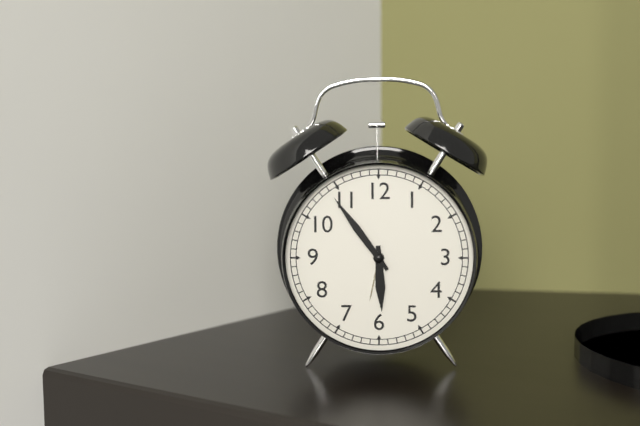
5.54
